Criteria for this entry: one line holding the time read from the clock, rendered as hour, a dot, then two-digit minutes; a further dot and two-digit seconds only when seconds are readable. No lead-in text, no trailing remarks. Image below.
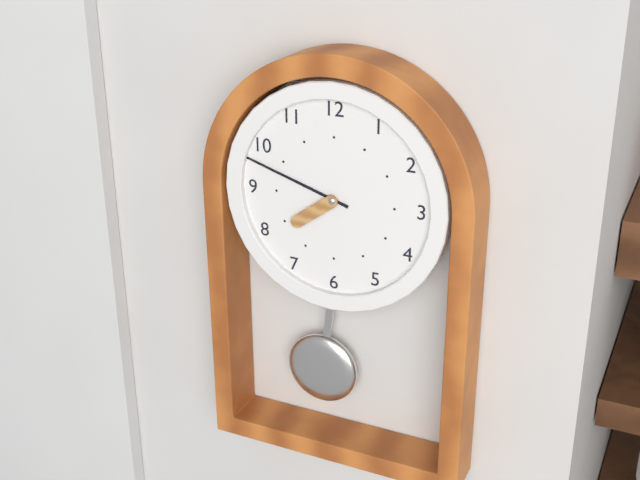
7.48
